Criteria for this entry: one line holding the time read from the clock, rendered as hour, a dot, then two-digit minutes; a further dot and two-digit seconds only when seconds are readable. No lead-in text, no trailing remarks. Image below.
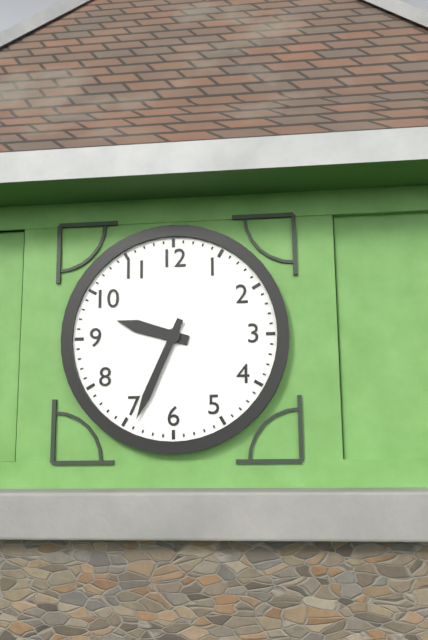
9.34
